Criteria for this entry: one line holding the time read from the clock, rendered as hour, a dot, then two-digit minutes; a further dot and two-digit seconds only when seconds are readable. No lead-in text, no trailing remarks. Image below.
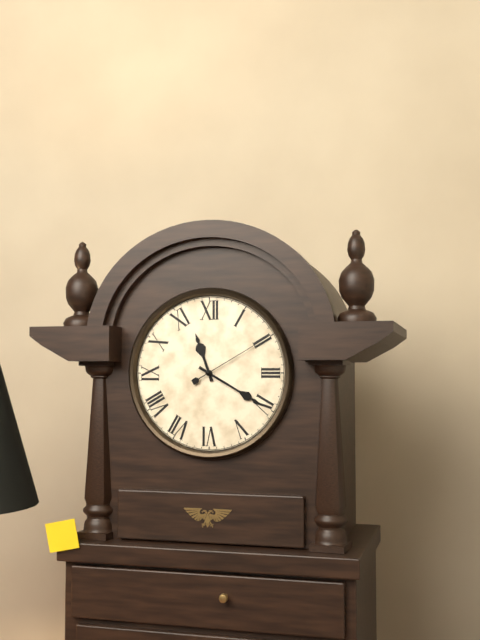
11.20.10
